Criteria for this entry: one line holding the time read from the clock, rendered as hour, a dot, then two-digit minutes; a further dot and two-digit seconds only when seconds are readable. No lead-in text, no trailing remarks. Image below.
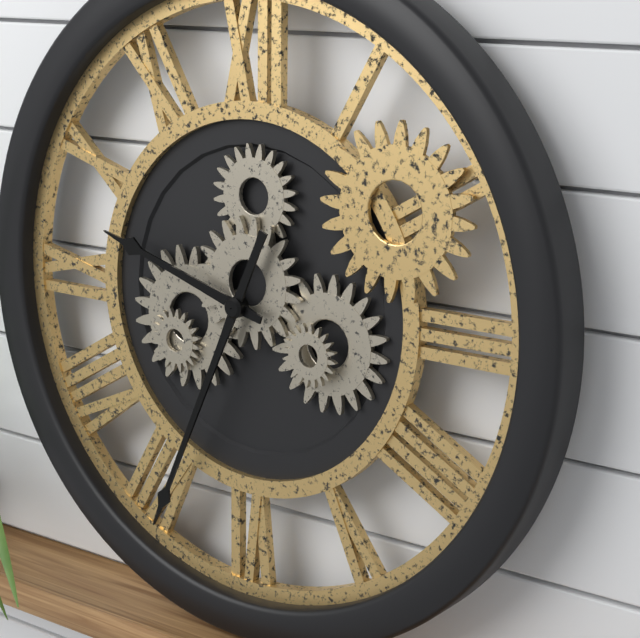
9.34
